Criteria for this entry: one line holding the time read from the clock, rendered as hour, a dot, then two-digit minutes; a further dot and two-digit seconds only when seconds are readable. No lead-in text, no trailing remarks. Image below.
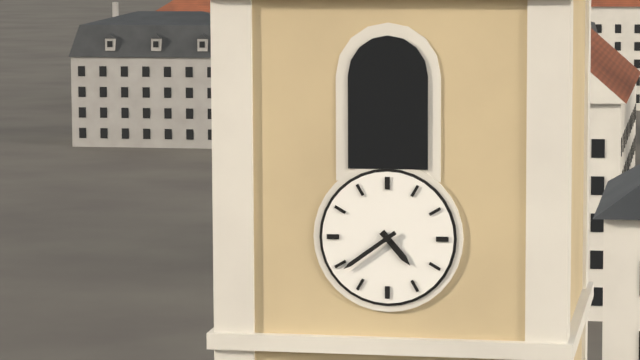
4.39
